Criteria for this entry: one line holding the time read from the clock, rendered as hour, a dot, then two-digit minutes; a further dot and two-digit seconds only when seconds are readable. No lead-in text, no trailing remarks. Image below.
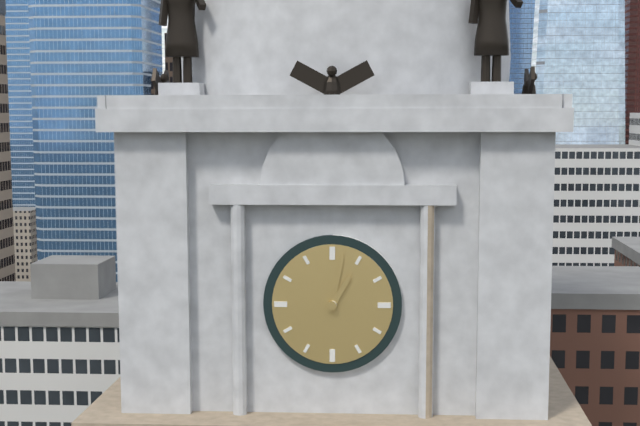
1.02
